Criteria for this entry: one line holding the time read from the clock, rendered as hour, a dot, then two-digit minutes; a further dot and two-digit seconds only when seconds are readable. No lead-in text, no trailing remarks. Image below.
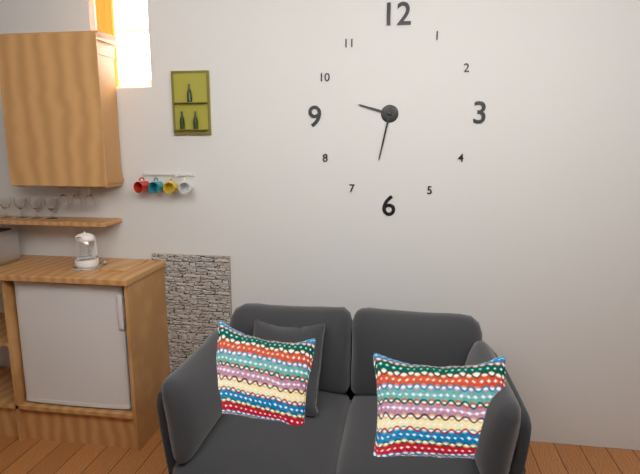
9.32
